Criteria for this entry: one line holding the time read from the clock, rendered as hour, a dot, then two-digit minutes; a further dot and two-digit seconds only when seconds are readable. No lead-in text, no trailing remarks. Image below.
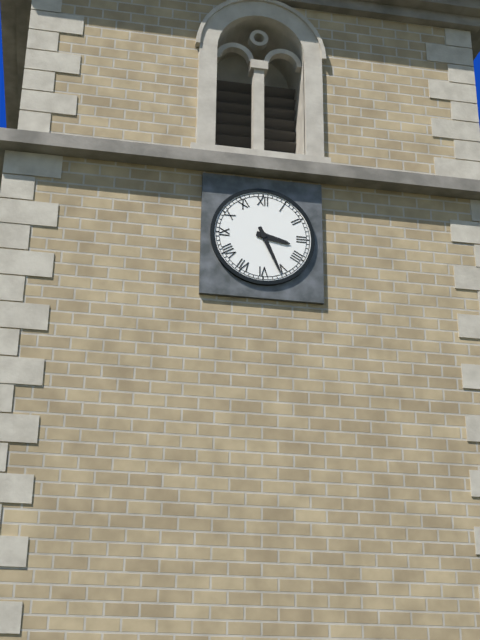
3.26
